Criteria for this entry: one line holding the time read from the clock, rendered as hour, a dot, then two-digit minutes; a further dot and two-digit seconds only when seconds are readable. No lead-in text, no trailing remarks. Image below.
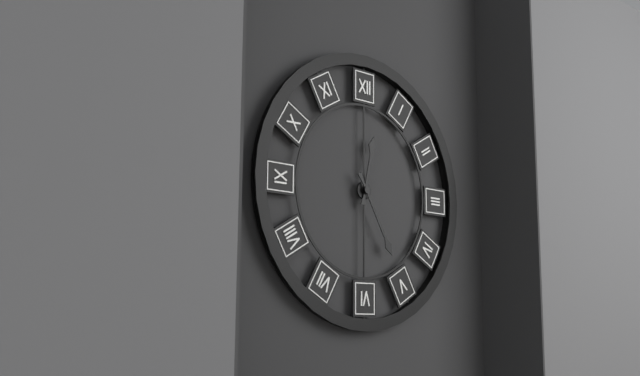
12.25
